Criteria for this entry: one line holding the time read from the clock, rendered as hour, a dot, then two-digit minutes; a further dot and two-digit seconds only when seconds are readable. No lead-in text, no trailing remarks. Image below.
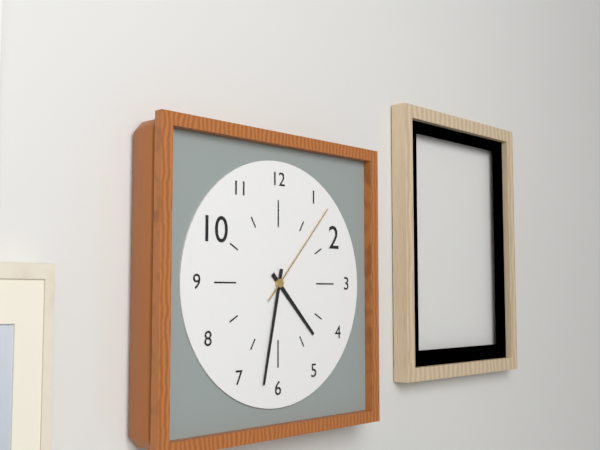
4.32.07
